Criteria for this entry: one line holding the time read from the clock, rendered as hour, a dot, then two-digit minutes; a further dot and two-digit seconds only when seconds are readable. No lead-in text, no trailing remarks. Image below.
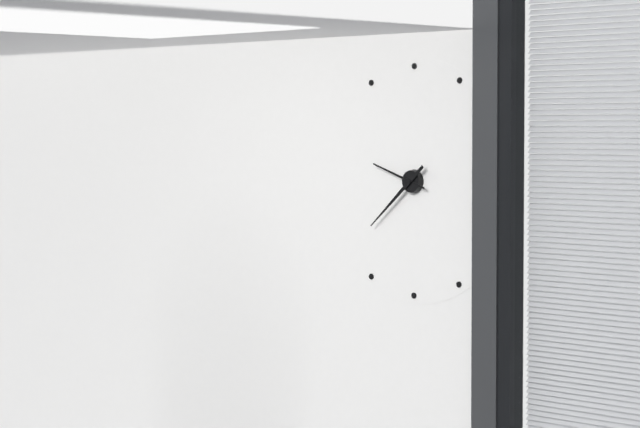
9.38
